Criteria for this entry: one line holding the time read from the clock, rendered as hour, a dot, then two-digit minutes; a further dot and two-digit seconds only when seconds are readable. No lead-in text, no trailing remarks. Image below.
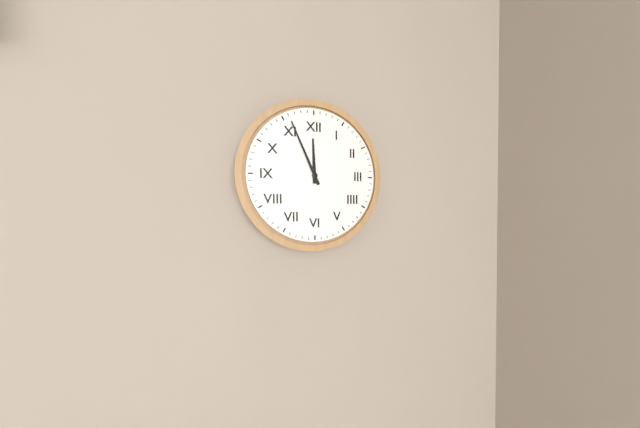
11.56
